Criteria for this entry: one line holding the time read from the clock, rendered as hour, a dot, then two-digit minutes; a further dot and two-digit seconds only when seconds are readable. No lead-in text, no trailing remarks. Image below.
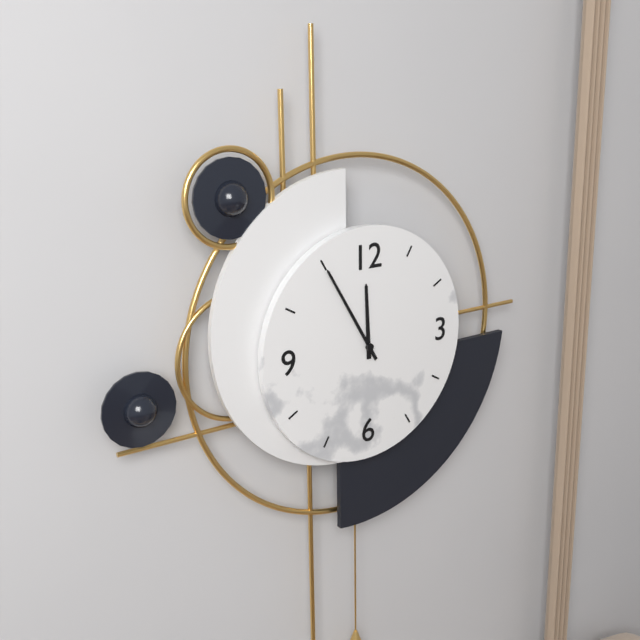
11.55
